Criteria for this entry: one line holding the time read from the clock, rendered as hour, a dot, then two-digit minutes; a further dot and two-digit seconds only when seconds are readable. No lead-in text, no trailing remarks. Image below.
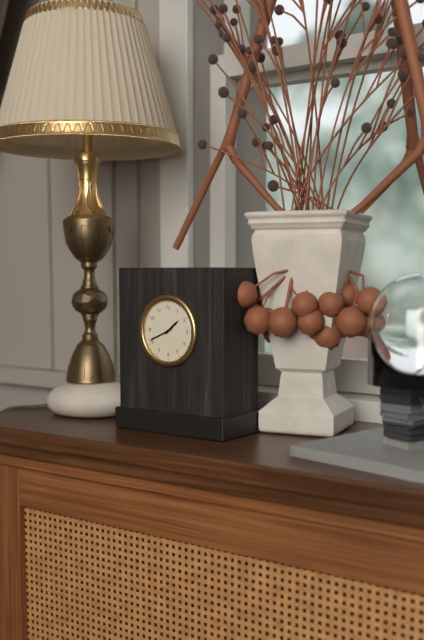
1.41
